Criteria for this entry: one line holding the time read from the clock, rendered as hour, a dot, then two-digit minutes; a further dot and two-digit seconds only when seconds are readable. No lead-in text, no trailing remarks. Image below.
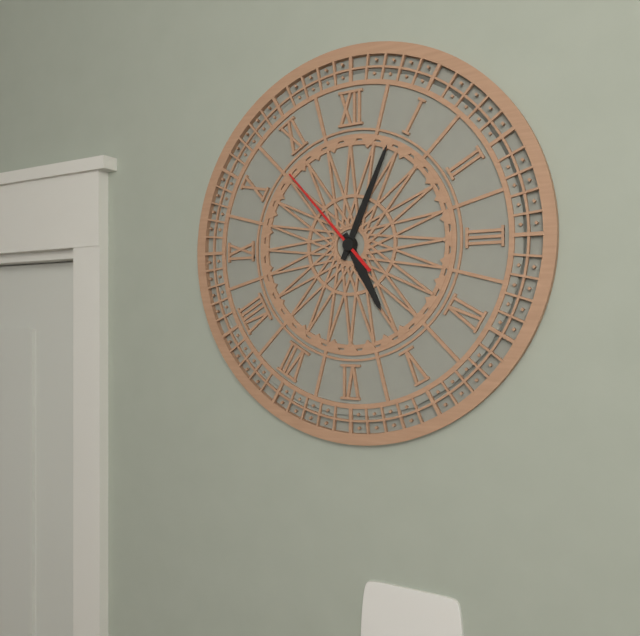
5.04.53
